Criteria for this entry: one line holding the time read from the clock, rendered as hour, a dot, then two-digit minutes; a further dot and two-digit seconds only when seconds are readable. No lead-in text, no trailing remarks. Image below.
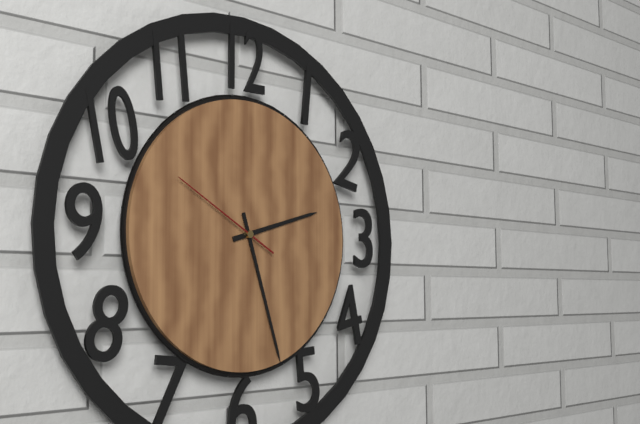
2.27.50
